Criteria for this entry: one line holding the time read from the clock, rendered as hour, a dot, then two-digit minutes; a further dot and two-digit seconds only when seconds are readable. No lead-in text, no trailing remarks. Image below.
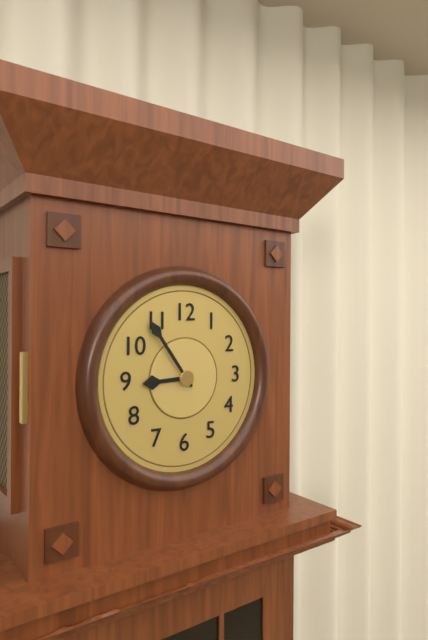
8.54
